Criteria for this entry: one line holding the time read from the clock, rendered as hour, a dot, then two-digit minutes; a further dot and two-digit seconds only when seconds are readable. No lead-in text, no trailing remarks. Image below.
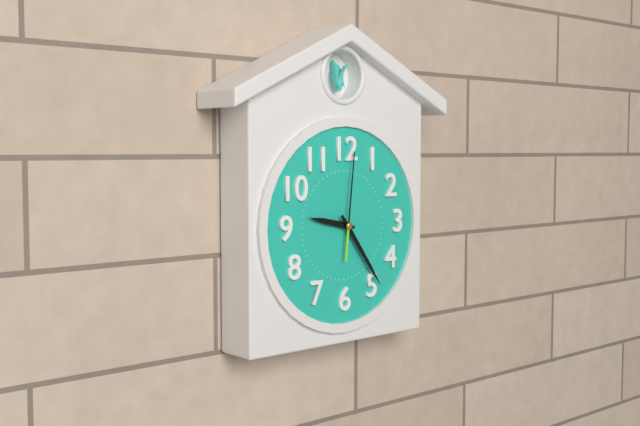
9.24.01
